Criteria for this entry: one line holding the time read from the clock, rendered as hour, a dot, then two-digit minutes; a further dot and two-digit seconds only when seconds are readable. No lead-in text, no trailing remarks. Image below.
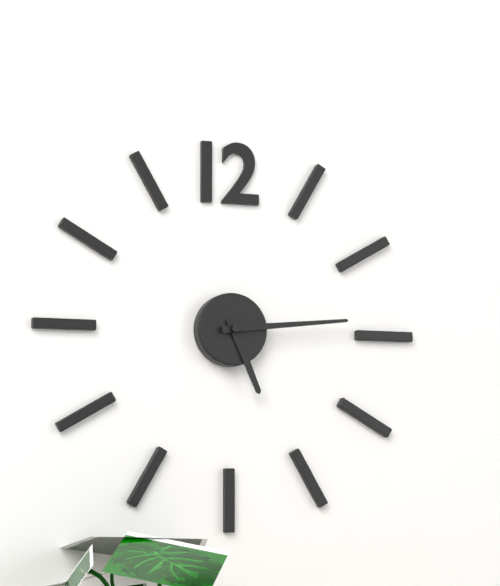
5.14
